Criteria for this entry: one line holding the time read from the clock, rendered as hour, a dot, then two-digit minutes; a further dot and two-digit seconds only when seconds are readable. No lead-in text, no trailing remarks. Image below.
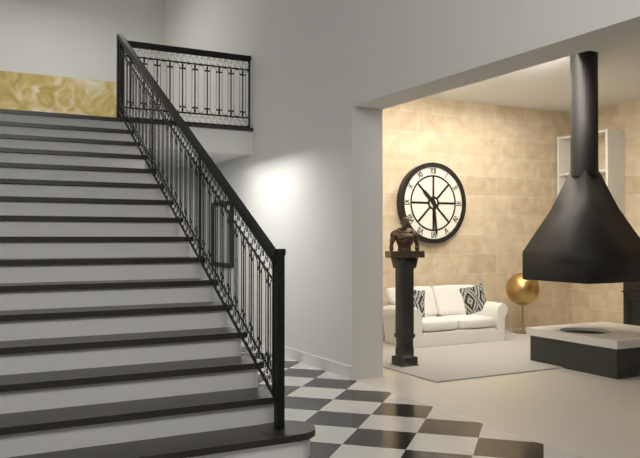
10.29
